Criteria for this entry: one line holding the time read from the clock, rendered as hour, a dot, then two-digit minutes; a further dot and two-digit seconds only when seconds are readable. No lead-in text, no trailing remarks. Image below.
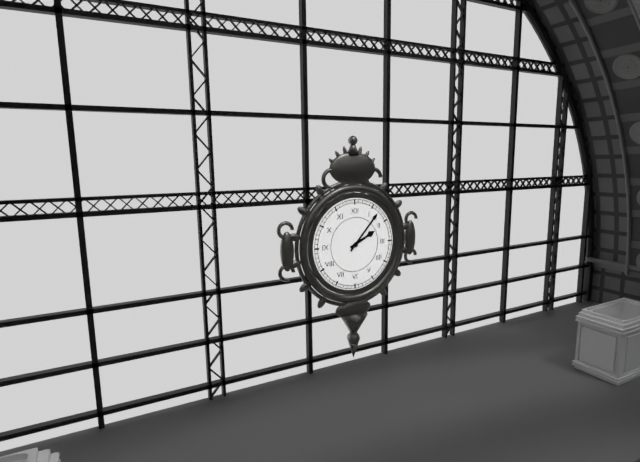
2.07
